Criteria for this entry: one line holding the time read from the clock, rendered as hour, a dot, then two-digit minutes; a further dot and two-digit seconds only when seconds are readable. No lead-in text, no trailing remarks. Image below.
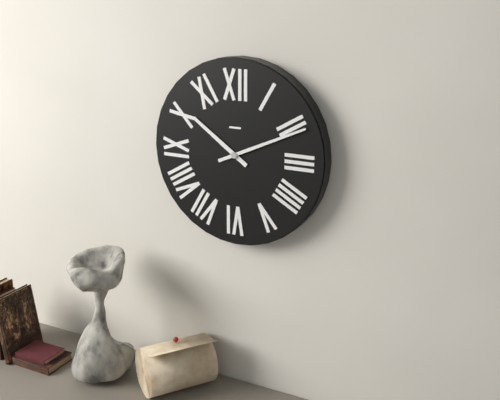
10.11
